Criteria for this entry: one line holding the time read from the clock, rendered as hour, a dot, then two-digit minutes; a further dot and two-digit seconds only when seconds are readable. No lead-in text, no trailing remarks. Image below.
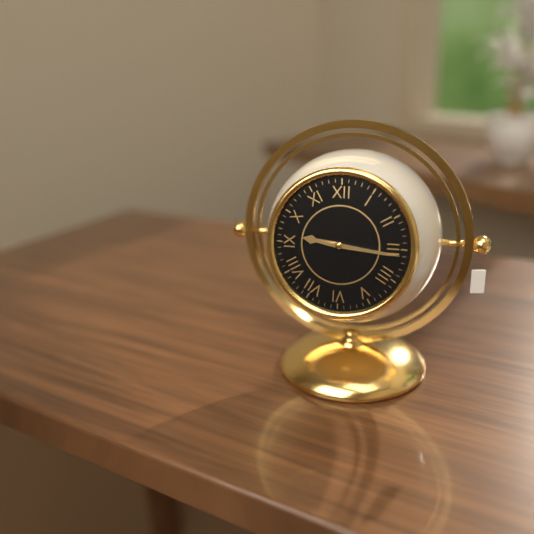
9.16
